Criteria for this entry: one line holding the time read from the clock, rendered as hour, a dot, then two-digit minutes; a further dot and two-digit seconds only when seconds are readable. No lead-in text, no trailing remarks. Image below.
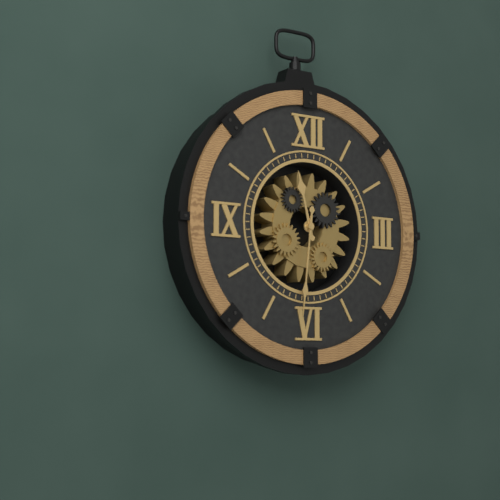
11.31
